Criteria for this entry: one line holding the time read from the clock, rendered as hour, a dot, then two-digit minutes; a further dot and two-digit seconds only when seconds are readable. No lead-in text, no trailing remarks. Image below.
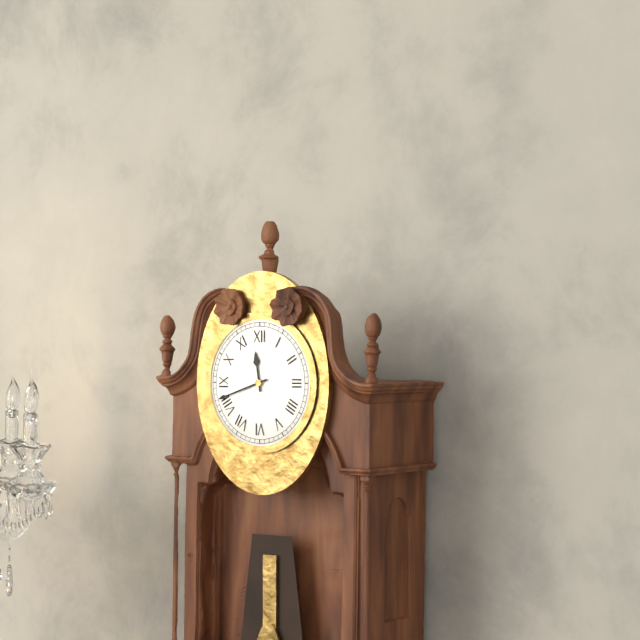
11.42
